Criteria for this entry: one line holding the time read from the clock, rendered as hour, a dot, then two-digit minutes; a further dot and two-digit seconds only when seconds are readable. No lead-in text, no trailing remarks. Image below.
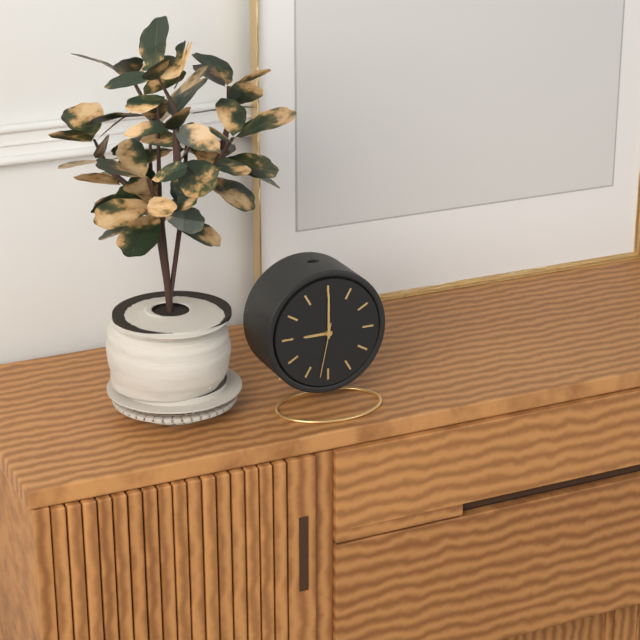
9.00.32
